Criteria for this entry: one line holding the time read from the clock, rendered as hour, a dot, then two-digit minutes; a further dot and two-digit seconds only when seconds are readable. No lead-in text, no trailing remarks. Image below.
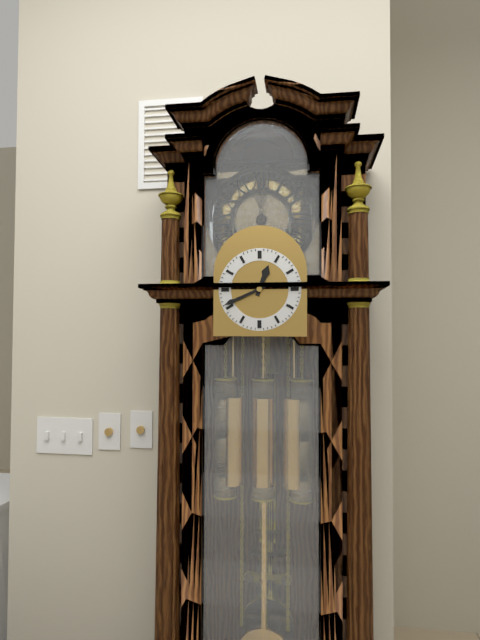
12.41
